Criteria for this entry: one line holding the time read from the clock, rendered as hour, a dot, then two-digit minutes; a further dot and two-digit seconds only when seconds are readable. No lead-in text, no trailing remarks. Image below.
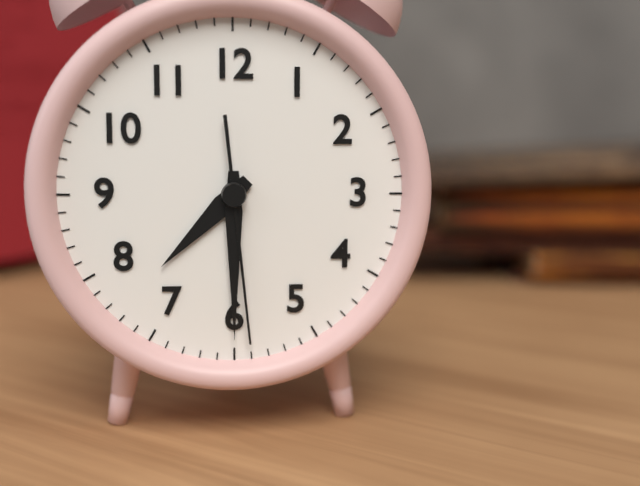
7.30.29
